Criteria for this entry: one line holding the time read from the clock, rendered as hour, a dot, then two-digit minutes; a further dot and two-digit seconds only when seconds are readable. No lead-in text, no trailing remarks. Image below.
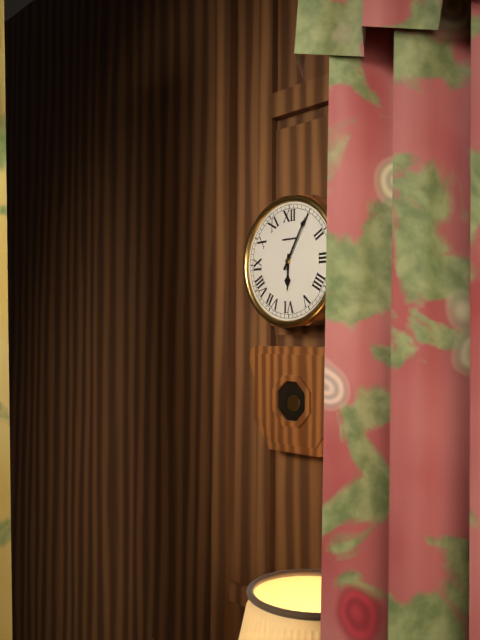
6.05
